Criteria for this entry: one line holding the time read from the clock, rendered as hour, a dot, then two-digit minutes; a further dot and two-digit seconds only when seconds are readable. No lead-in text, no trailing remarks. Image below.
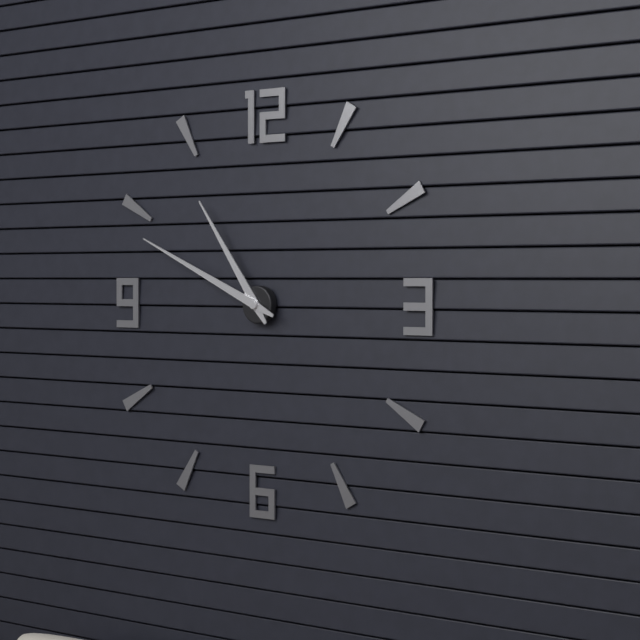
10.49
